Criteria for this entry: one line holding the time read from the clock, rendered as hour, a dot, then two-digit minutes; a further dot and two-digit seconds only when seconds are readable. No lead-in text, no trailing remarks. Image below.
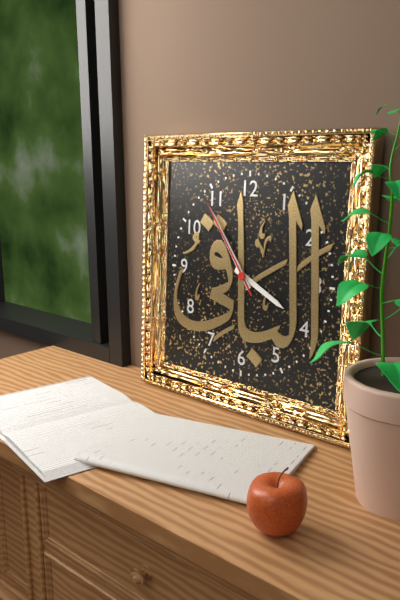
3.54.54
